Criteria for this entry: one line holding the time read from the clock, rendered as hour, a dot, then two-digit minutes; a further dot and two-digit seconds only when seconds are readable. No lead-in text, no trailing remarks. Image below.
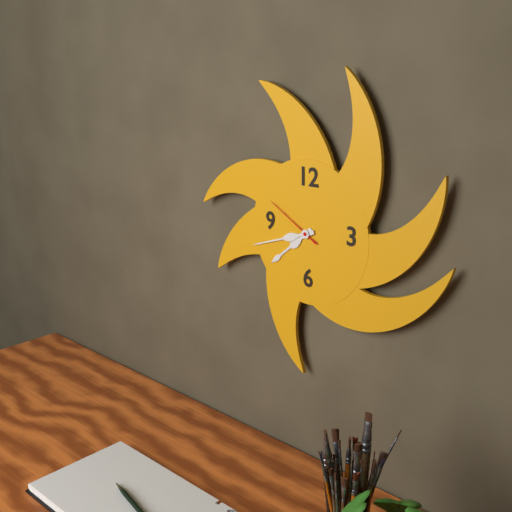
7.42.50
